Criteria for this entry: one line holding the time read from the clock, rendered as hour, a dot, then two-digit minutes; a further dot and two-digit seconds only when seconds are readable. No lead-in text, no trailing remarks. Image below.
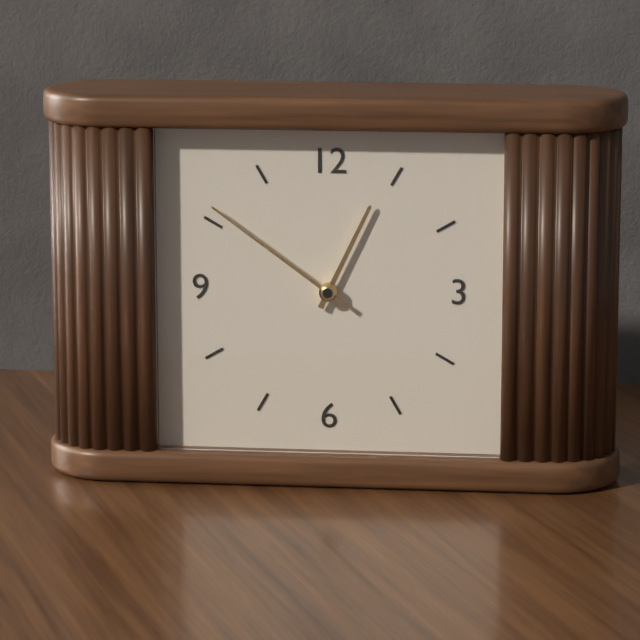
12.51
